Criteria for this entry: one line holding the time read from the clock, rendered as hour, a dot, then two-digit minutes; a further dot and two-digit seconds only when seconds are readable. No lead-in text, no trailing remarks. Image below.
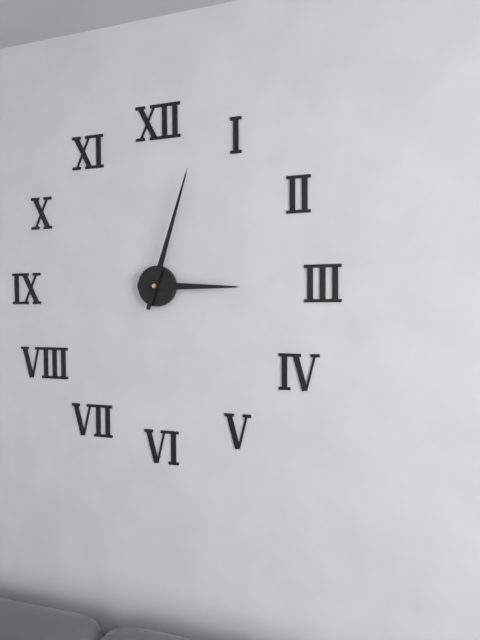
3.03
